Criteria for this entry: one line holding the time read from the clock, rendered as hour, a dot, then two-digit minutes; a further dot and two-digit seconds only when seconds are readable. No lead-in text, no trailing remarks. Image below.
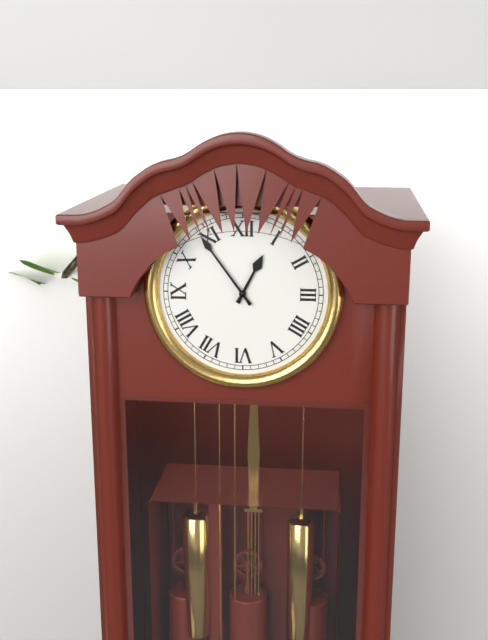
12.54
